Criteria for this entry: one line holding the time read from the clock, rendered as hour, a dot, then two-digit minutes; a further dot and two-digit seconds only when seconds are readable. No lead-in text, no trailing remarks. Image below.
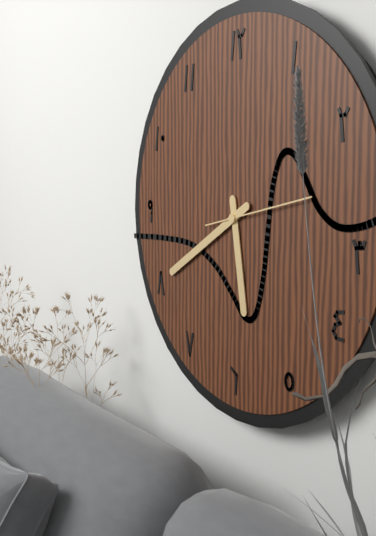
5.40.13
